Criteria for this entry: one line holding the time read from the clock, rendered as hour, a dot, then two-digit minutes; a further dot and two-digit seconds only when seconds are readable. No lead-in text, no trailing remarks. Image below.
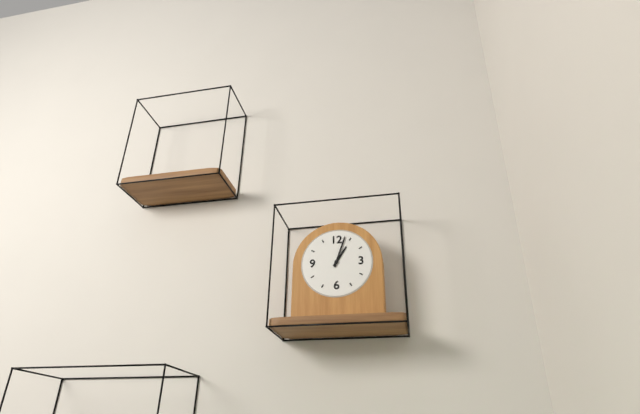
1.03
